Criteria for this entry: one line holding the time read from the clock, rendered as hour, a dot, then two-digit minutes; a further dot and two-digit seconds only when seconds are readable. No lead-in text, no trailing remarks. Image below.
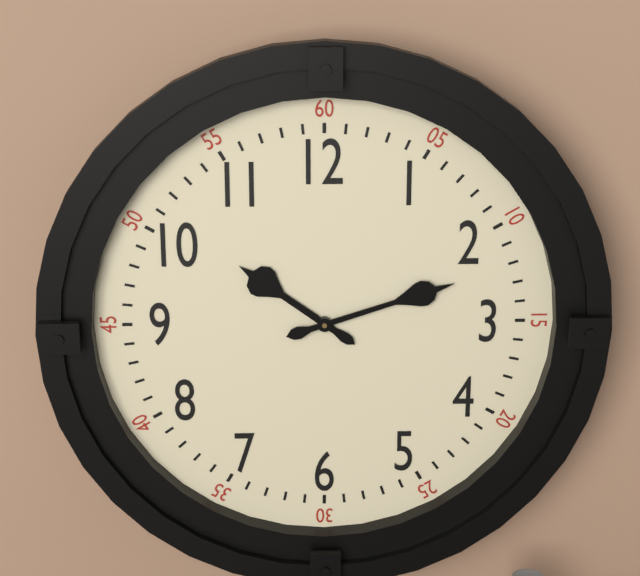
10.12
